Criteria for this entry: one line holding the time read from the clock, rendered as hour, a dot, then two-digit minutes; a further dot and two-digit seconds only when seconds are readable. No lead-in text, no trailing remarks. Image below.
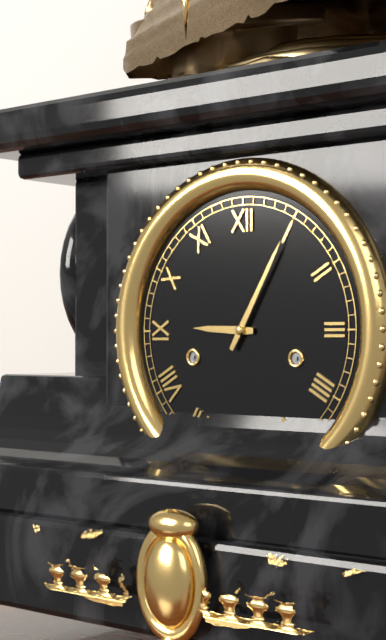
9.05
